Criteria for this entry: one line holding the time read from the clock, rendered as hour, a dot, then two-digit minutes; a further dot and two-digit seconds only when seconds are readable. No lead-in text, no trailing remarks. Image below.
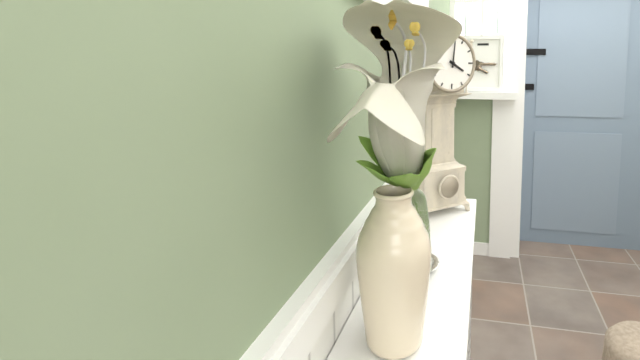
4.01
